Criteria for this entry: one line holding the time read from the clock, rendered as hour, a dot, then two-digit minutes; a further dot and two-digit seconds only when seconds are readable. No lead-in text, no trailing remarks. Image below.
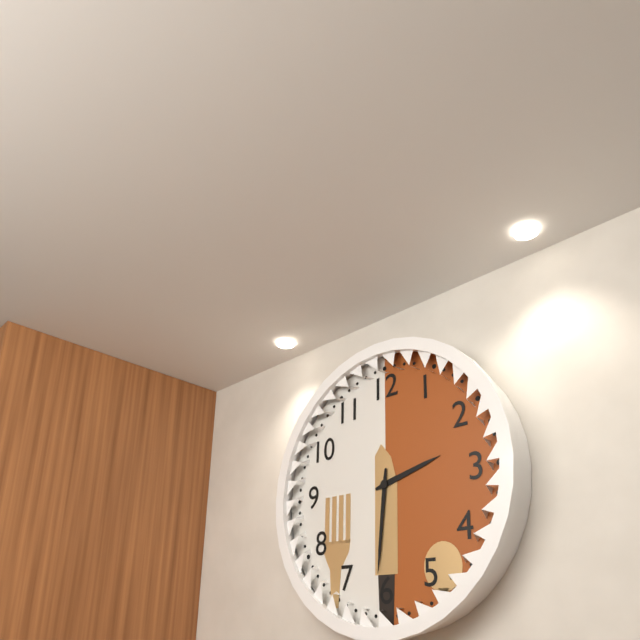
2.31
